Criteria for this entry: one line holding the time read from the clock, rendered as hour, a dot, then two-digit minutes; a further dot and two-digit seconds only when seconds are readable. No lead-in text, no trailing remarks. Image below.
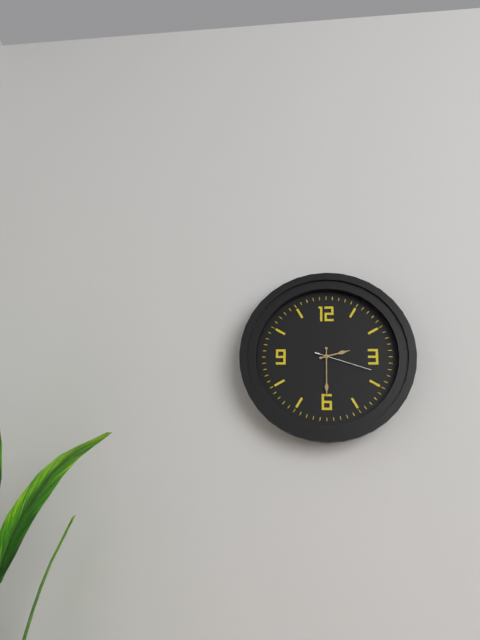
2.30.18
